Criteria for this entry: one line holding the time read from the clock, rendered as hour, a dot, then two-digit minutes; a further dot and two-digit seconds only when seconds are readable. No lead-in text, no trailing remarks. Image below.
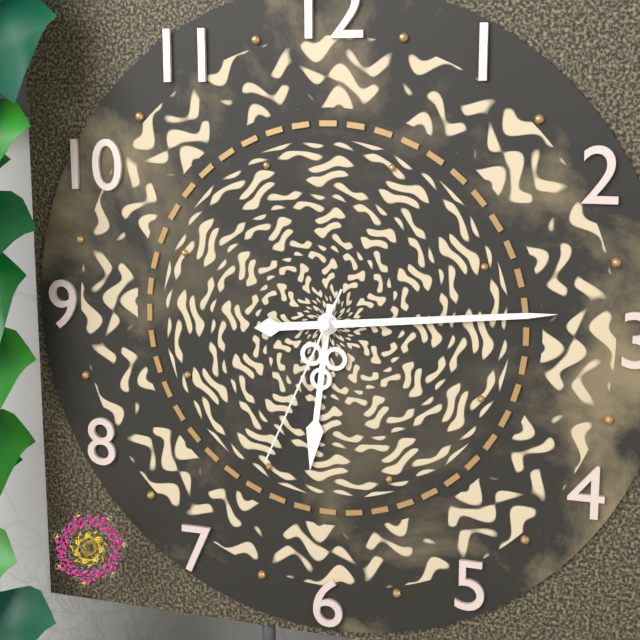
6.14.34
